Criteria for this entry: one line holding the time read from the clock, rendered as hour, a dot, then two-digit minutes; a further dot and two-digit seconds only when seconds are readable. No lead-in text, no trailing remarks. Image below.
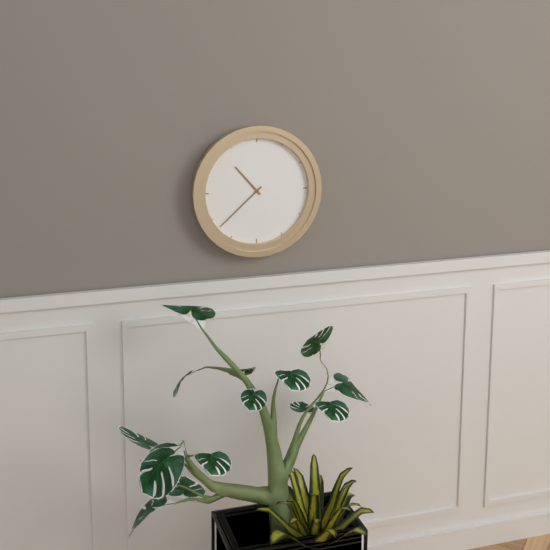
10.38
